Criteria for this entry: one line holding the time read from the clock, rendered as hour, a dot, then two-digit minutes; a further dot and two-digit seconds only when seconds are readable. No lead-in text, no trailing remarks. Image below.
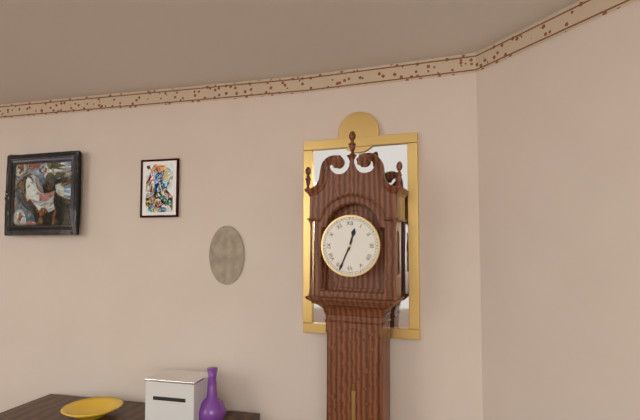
12.34
